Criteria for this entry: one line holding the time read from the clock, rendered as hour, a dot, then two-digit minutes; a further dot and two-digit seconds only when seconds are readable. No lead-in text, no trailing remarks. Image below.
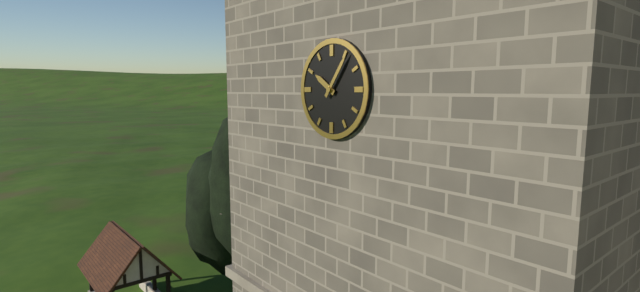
10.06
